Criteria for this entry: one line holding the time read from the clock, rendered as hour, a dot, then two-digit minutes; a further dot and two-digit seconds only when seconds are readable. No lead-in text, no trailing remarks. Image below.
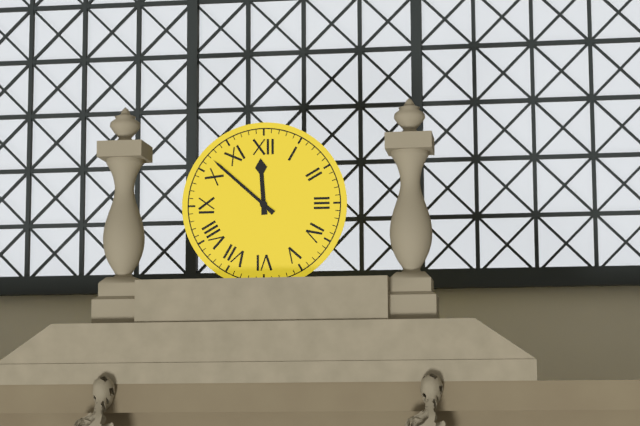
11.52
